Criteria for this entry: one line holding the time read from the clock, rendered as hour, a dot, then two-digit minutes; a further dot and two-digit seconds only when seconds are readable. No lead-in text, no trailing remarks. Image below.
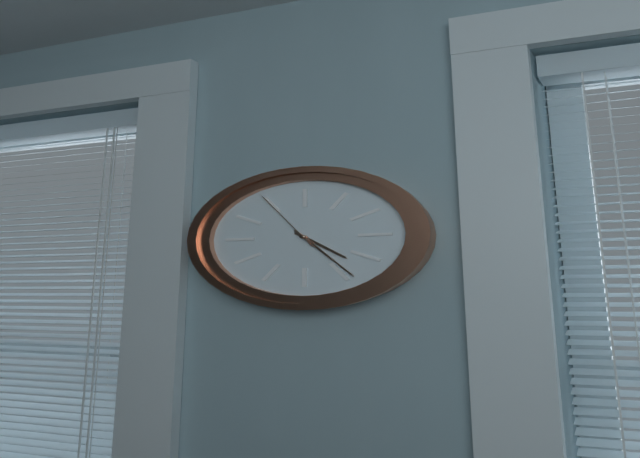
4.24.55
